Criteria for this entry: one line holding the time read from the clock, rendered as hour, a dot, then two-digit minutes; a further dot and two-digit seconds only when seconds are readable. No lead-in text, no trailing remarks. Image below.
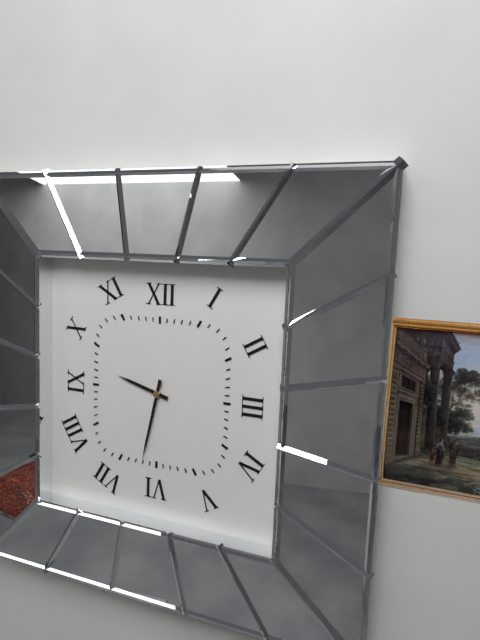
9.32
